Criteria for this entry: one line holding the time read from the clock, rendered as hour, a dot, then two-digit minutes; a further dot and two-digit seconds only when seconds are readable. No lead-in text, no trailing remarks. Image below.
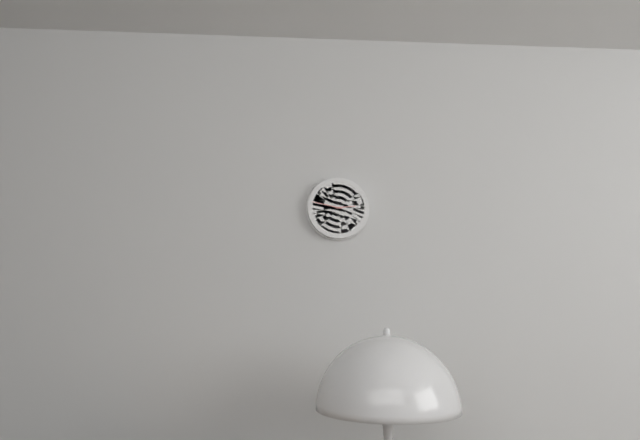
2.47
